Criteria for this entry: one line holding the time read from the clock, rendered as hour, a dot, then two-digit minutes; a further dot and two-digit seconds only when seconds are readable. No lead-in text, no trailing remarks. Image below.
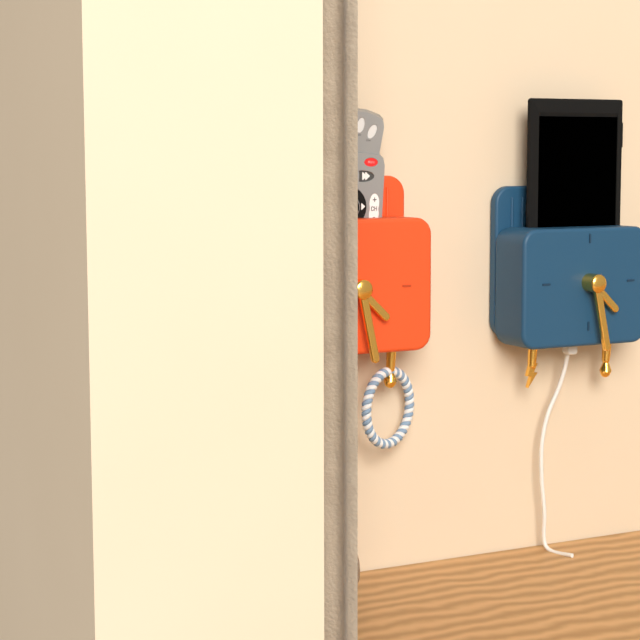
4.28
